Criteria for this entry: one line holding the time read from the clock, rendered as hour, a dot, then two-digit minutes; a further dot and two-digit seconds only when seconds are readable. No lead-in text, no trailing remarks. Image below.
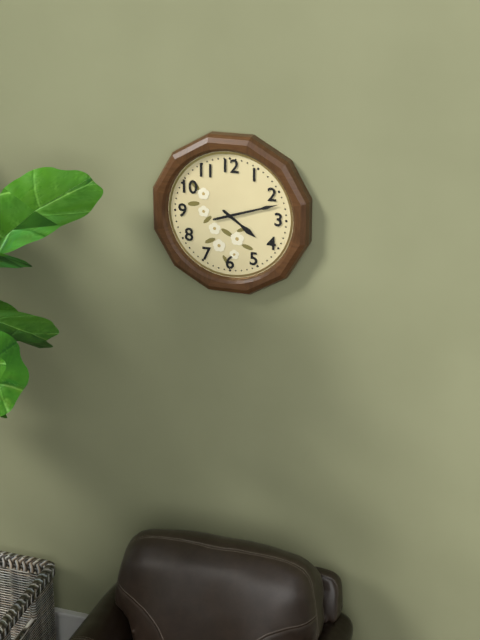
4.12
